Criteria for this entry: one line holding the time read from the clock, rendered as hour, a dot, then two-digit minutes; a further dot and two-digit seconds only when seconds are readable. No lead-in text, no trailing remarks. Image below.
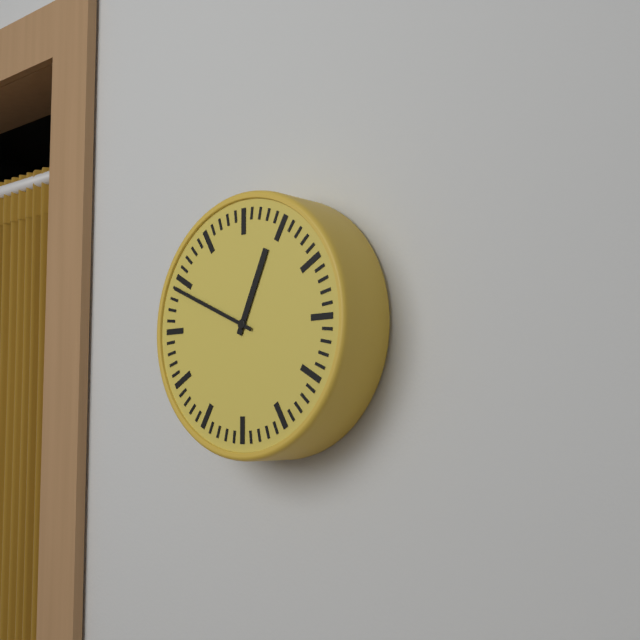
12.49
